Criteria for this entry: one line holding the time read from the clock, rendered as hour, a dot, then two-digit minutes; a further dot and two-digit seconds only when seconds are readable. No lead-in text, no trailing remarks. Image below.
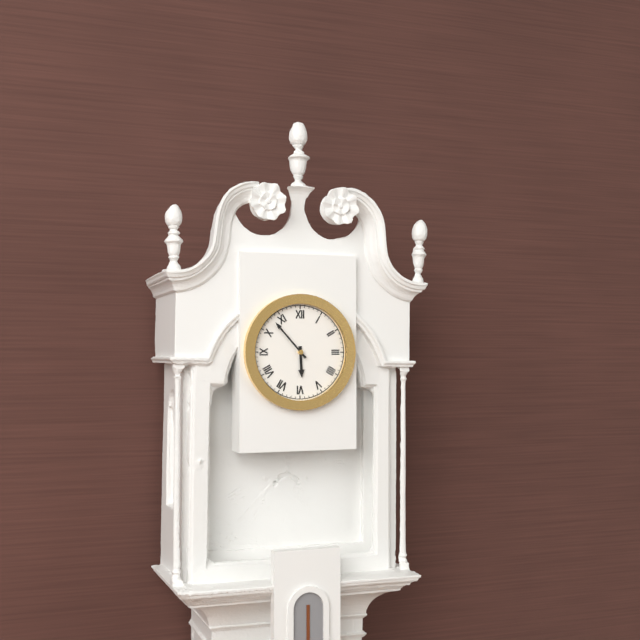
5.53
